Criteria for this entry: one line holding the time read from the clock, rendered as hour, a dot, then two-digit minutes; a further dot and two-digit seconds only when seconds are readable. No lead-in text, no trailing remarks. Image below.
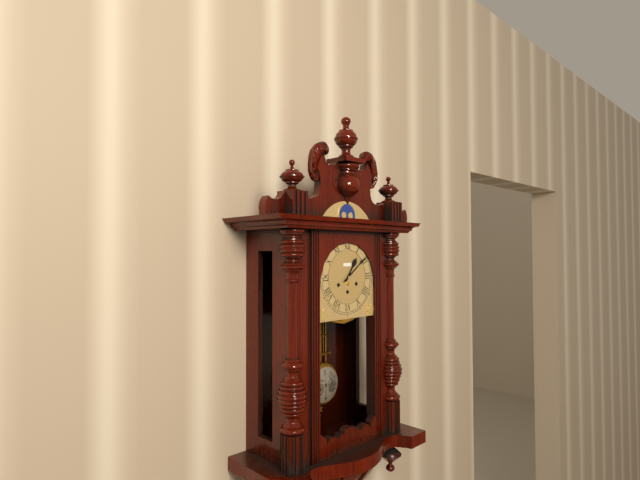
1.09
